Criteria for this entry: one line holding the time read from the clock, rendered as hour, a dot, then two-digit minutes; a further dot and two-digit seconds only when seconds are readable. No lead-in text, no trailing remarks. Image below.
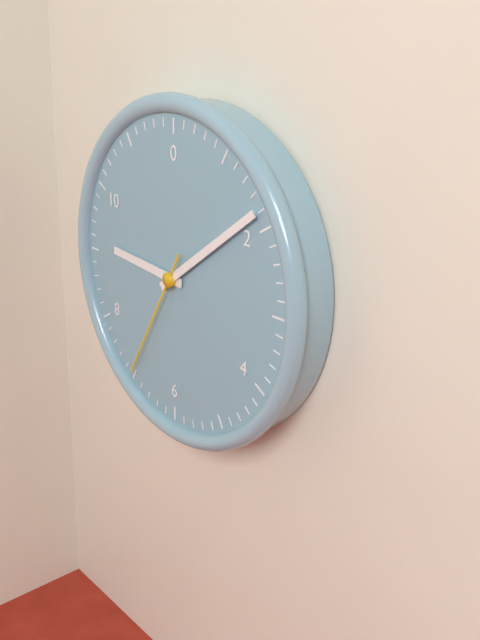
9.09.35
